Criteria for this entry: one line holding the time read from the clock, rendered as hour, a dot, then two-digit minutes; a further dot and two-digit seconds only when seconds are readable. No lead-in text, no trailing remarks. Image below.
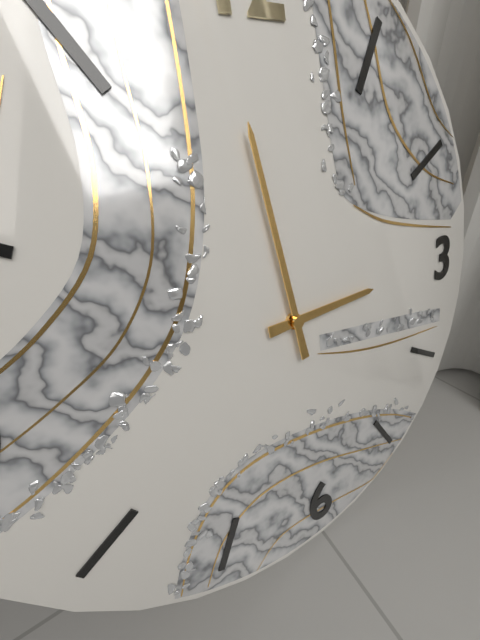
2.59
